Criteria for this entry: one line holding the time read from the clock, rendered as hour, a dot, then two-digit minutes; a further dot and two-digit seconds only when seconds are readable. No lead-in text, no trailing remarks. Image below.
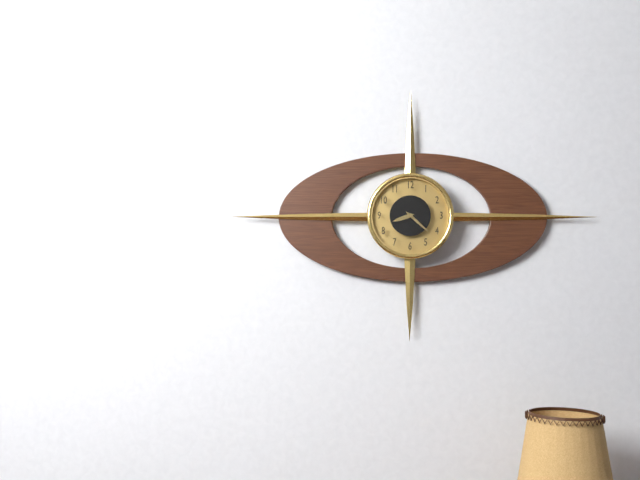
8.22
